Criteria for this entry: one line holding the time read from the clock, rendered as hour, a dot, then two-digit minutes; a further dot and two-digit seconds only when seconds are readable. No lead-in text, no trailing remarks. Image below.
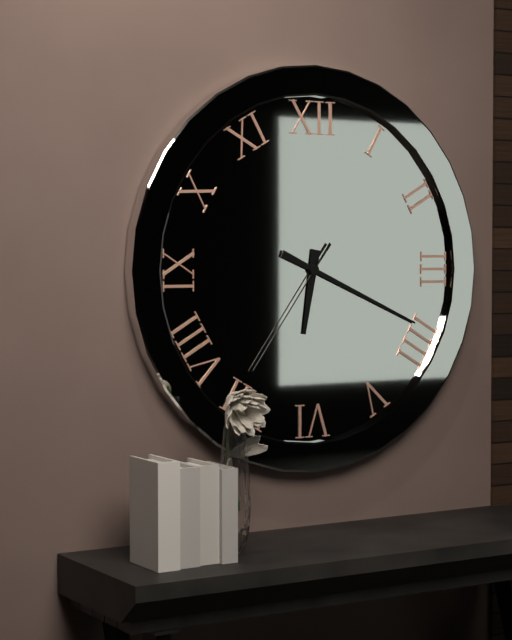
6.19.36
